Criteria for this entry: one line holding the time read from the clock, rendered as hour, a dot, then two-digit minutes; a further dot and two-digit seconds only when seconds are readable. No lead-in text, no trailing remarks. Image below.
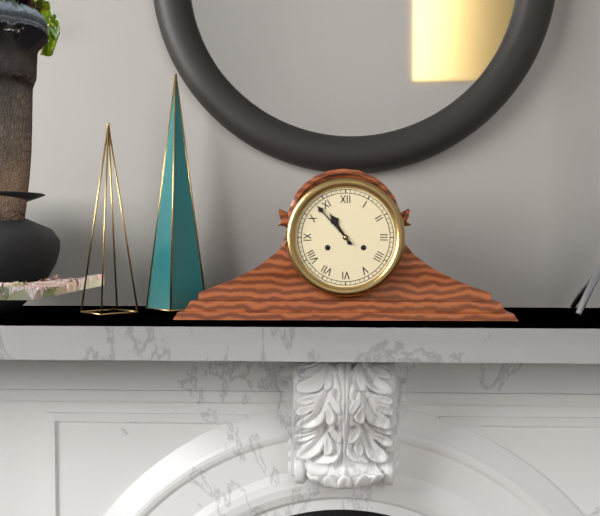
10.53
